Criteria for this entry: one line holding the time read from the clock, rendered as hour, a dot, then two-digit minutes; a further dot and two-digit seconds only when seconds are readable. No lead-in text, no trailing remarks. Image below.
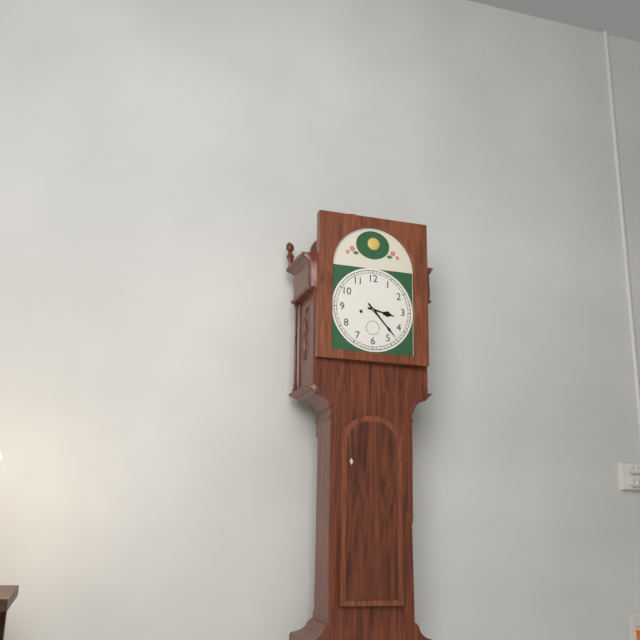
3.23
